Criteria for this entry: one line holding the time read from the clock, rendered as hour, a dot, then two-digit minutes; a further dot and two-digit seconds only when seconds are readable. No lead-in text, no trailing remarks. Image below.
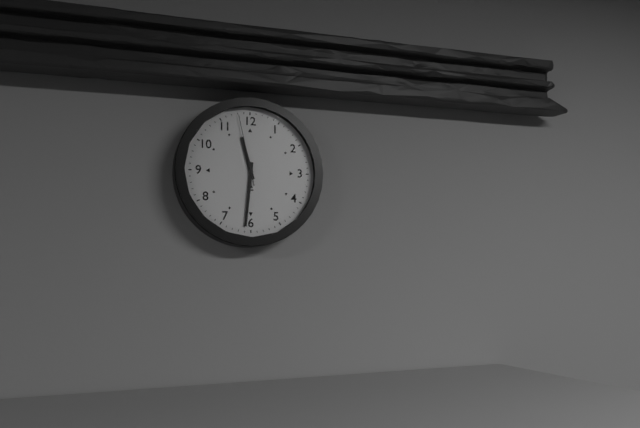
11.31.58
